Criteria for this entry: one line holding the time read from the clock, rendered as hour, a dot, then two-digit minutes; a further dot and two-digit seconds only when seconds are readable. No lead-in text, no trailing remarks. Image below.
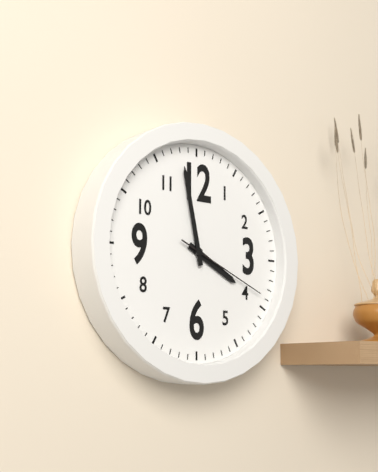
3.58.19
